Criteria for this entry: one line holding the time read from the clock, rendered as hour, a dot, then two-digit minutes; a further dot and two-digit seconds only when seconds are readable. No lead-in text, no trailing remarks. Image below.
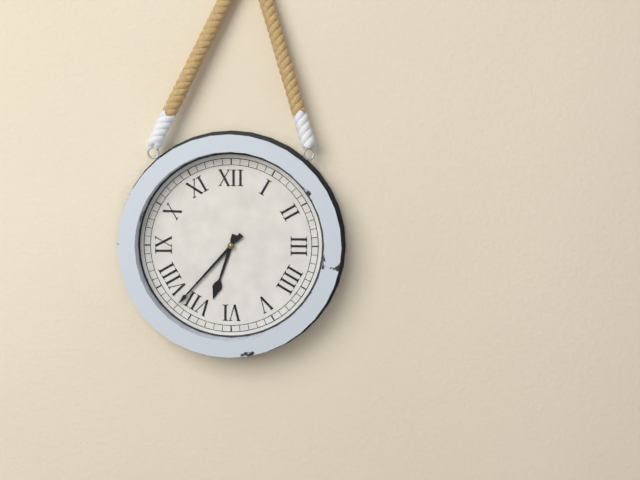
6.37
